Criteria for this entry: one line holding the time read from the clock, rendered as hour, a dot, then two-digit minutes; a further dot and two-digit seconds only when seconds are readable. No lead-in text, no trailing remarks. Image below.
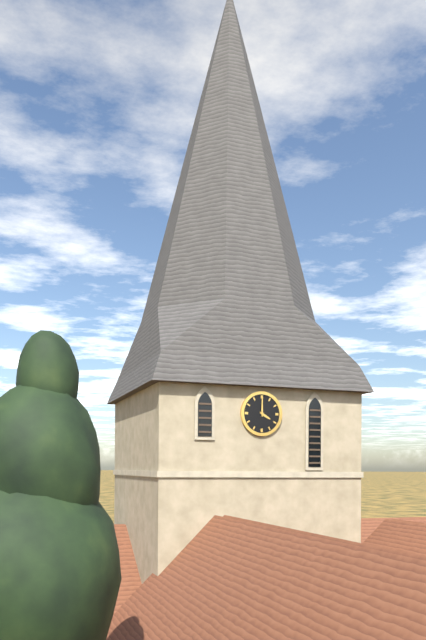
4.00
